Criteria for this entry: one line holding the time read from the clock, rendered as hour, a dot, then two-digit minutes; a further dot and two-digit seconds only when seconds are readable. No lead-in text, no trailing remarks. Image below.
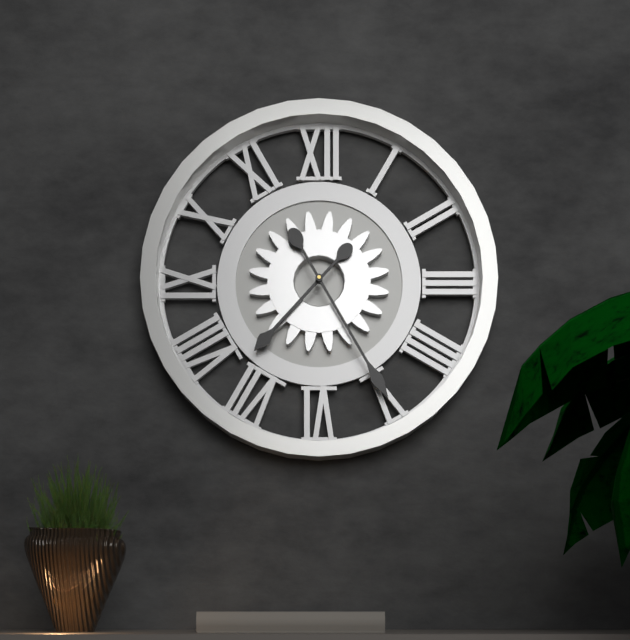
7.25
